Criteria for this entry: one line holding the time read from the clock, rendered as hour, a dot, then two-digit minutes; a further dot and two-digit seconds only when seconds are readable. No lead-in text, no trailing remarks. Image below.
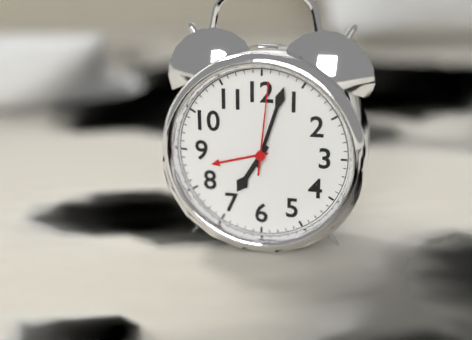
7.03.01
